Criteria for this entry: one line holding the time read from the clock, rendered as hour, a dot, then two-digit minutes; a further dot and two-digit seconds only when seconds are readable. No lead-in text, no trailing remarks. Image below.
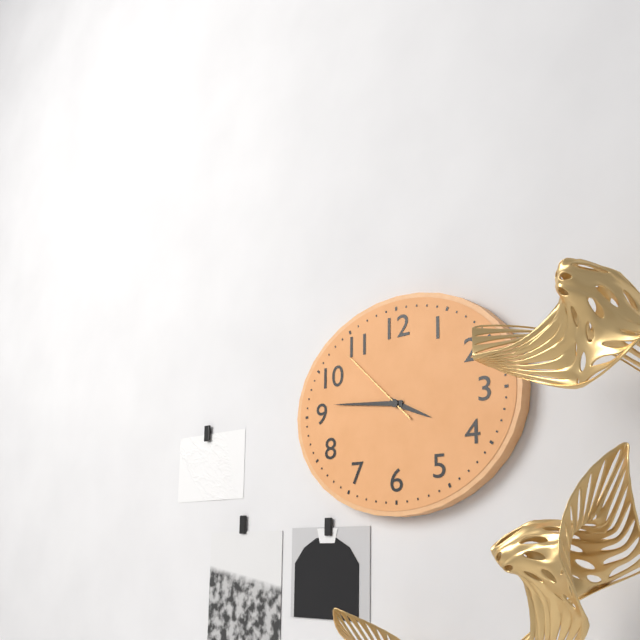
3.46.52
